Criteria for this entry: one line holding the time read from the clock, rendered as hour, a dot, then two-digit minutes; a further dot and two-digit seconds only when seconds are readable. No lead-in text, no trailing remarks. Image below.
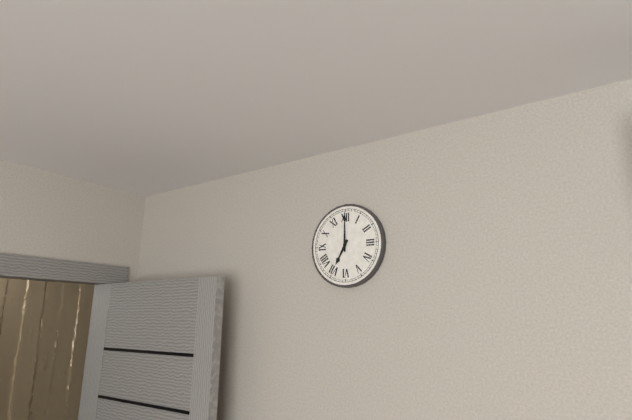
7.00
